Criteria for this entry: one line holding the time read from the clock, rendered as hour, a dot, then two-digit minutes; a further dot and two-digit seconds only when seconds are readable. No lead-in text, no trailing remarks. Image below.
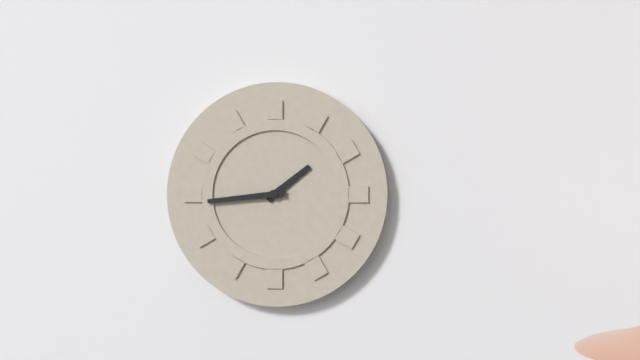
1.44
